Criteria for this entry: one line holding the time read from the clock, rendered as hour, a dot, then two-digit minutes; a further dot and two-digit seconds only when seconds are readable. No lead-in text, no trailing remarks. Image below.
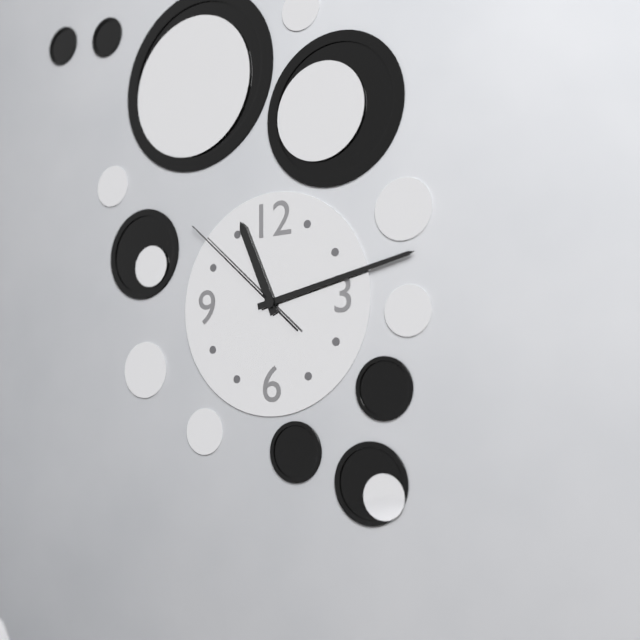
11.13.52
